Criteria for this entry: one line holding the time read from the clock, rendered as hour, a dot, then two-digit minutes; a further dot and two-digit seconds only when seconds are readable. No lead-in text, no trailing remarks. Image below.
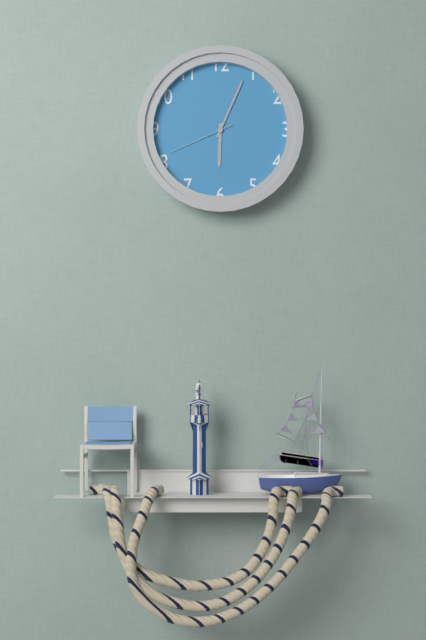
6.04.41
